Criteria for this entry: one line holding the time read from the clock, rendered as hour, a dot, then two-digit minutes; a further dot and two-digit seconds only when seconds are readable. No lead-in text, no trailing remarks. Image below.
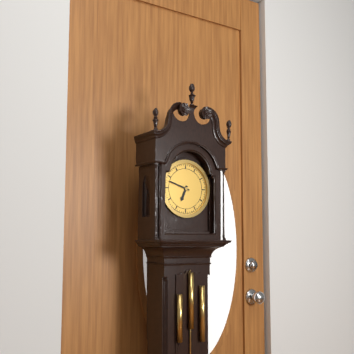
6.48
